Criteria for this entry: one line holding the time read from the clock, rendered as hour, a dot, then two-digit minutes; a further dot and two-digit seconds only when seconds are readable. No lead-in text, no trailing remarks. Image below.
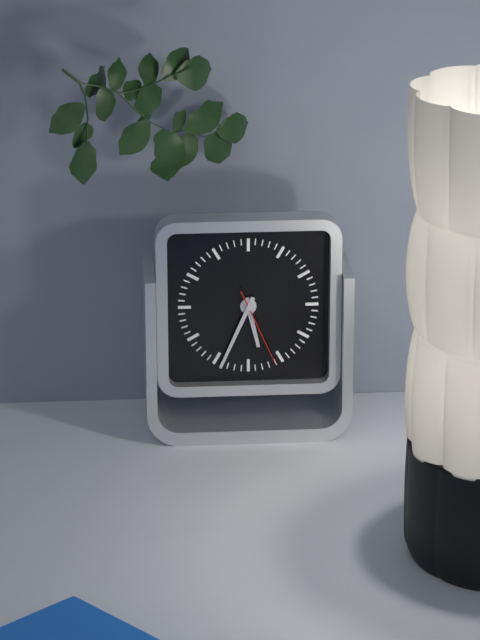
5.34.26
